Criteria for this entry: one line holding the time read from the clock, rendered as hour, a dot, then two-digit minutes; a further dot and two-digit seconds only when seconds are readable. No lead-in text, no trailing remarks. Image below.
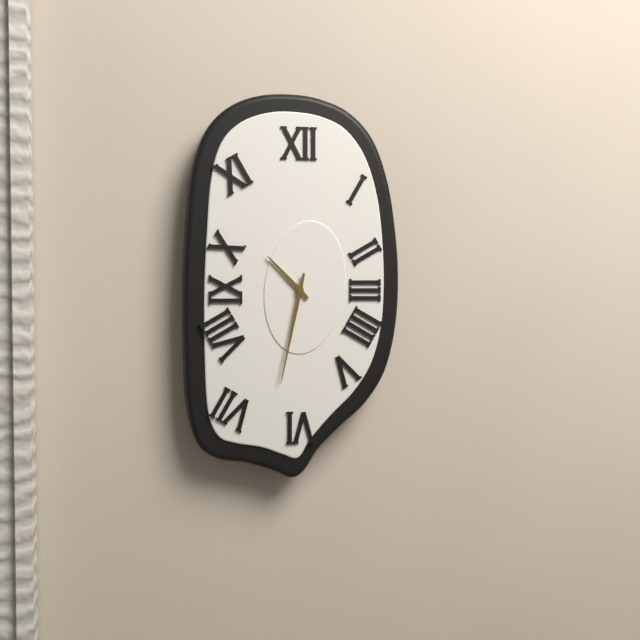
10.32
